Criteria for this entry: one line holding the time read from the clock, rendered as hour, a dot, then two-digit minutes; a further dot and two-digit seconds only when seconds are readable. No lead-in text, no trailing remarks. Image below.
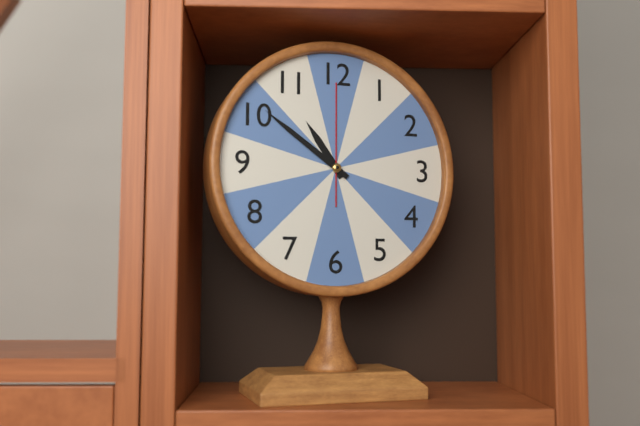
10.51.00
